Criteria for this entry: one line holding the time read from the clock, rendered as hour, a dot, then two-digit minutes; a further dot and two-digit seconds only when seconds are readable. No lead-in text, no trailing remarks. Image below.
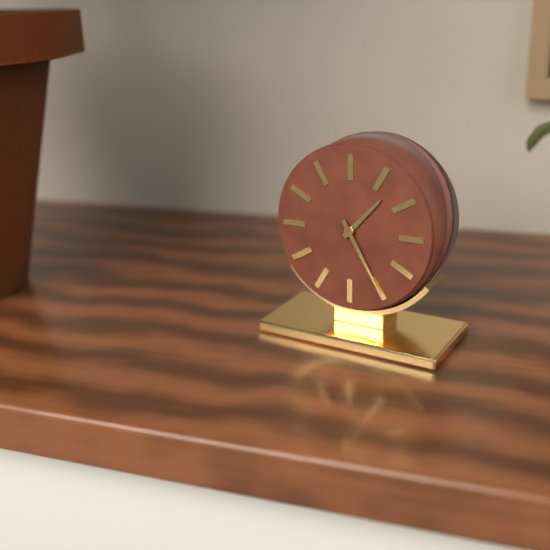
1.25
